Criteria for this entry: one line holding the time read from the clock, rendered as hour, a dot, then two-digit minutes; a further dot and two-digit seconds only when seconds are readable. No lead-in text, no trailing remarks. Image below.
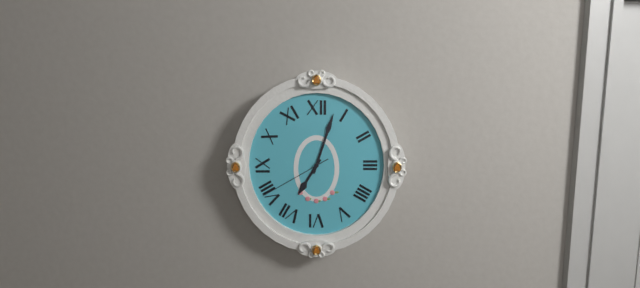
7.03.40
